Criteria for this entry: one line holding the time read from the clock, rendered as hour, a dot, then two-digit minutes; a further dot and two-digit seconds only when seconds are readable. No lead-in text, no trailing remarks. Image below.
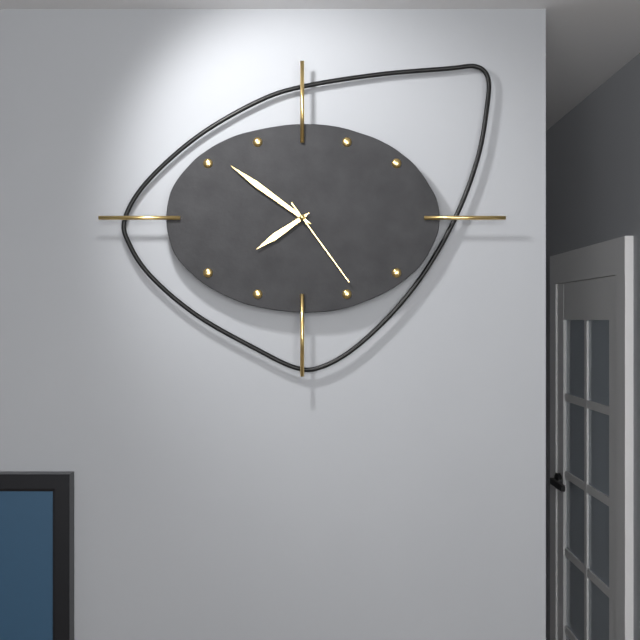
7.51.24
